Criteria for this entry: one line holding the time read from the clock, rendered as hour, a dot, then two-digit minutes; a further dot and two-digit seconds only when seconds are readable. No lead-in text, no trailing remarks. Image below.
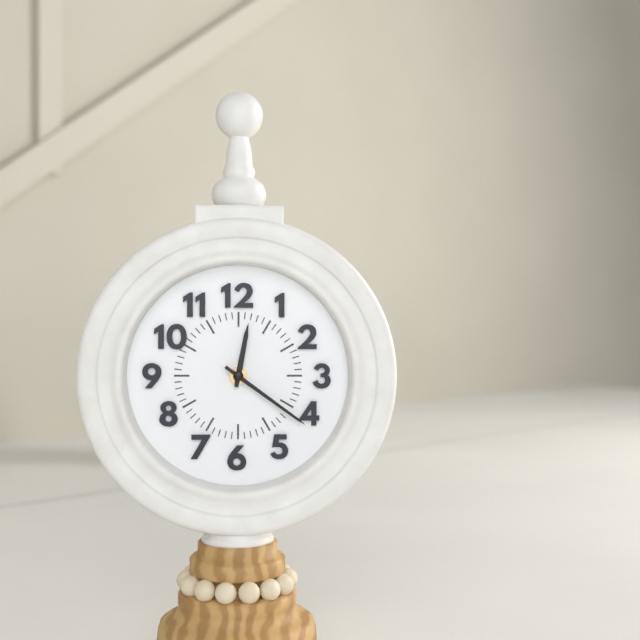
12.21
